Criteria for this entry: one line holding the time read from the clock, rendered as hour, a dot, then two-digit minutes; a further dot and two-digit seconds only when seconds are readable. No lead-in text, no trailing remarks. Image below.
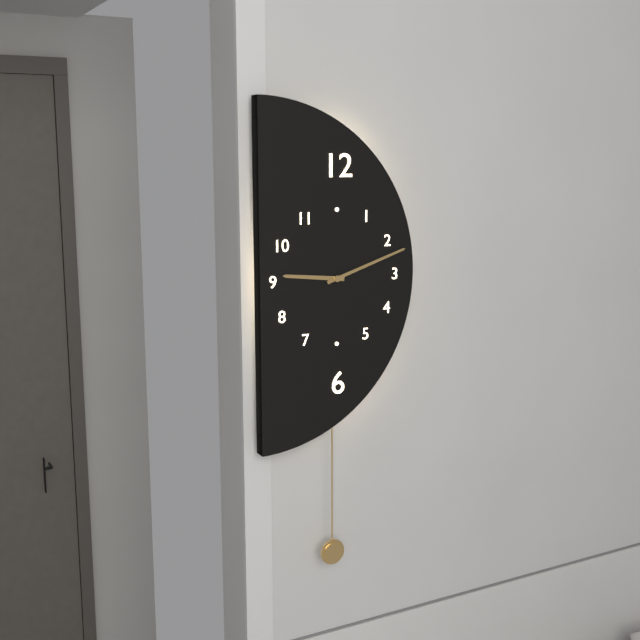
9.12
